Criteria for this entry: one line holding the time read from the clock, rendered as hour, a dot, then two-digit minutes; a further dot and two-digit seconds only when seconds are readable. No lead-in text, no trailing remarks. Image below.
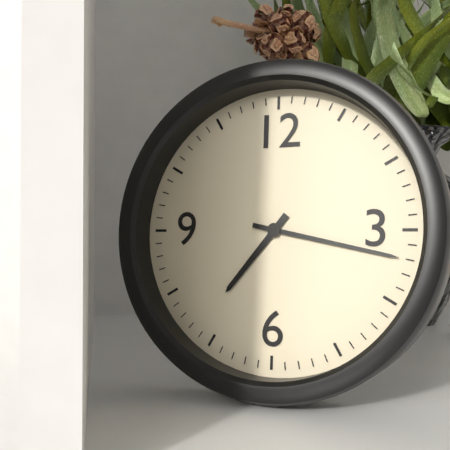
7.17
